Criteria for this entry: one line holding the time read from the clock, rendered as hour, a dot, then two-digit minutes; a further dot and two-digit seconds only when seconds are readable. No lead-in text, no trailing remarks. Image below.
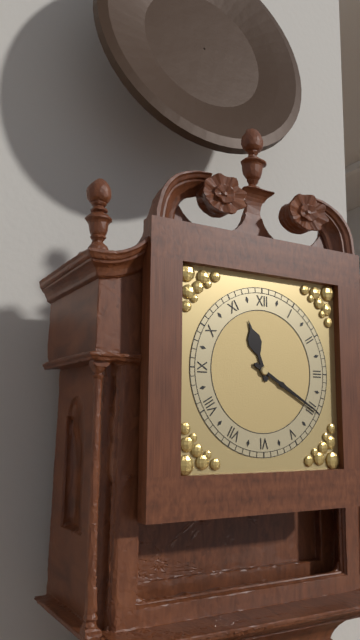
11.20
